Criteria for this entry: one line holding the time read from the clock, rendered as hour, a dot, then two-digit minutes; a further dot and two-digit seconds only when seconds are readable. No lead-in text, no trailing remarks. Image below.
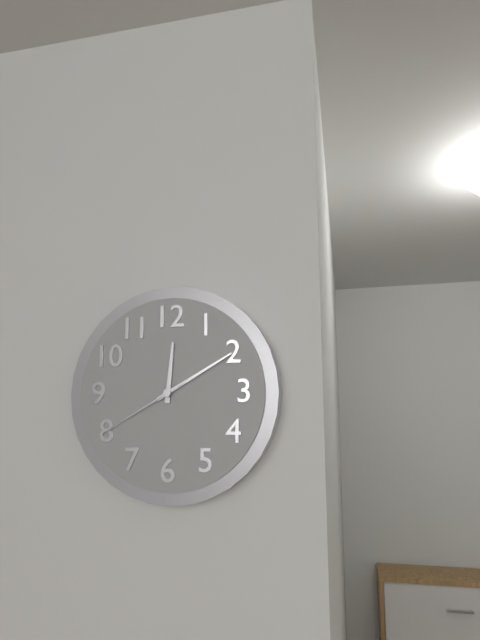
12.10.40
